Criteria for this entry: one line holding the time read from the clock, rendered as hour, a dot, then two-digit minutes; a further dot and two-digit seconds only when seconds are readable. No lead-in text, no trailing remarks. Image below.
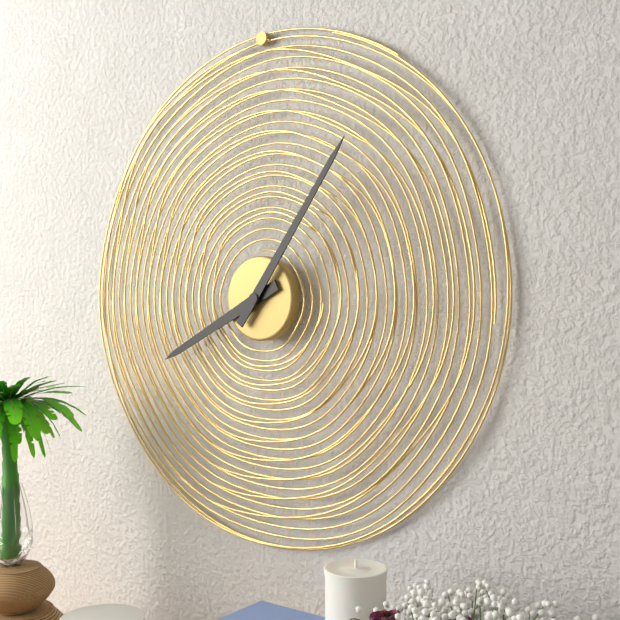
8.06
